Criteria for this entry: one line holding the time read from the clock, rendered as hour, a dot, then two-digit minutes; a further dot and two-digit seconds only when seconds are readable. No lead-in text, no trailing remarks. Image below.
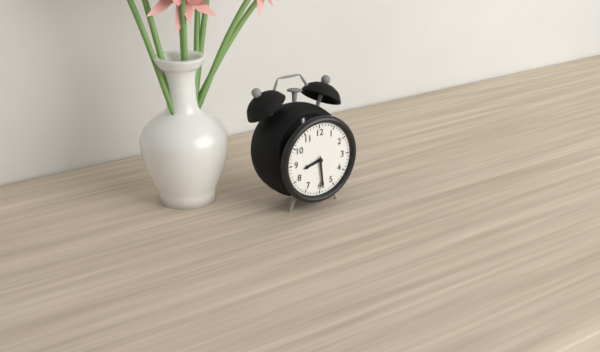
8.29
